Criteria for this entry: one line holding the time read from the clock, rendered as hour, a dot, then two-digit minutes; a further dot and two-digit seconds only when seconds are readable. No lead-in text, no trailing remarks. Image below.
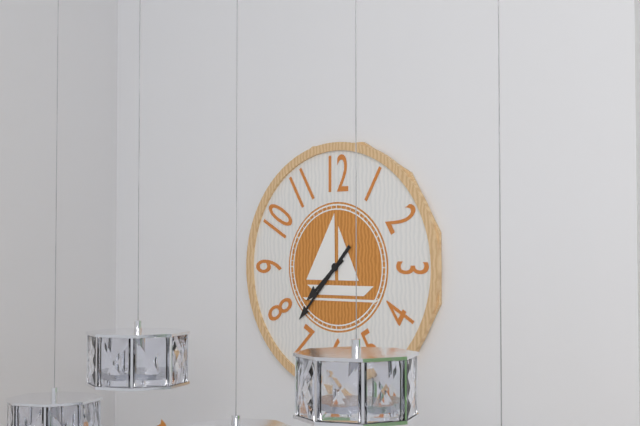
7.37
